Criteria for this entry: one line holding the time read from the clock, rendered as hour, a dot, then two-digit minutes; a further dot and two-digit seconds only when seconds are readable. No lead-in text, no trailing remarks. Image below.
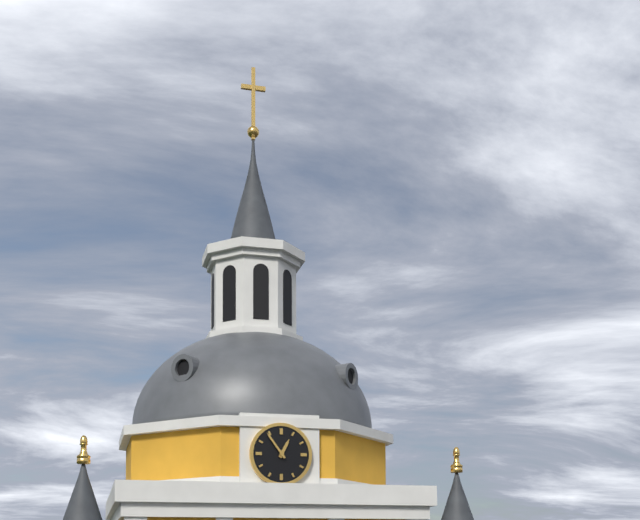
12.54
